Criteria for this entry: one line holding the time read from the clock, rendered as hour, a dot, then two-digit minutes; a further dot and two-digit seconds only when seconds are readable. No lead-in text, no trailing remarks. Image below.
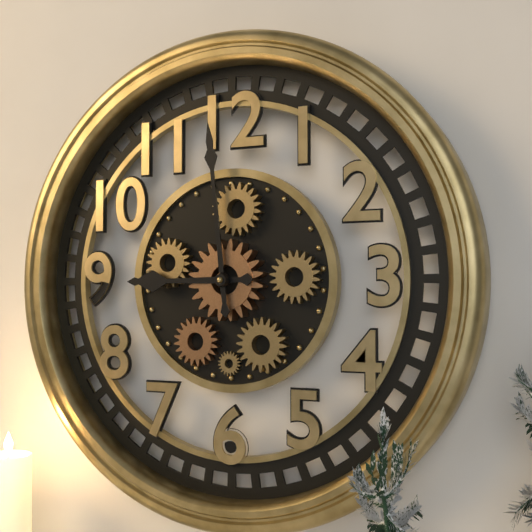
8.59
